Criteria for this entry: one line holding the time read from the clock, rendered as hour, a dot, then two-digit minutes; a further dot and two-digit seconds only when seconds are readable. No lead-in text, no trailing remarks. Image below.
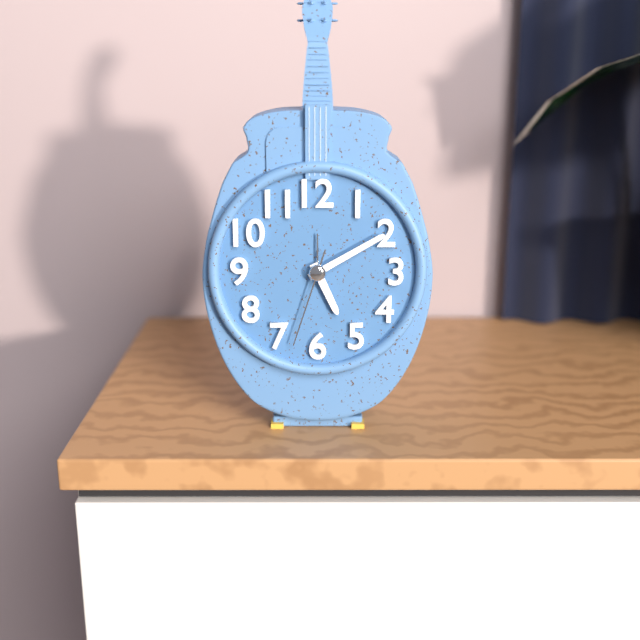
5.10.33
